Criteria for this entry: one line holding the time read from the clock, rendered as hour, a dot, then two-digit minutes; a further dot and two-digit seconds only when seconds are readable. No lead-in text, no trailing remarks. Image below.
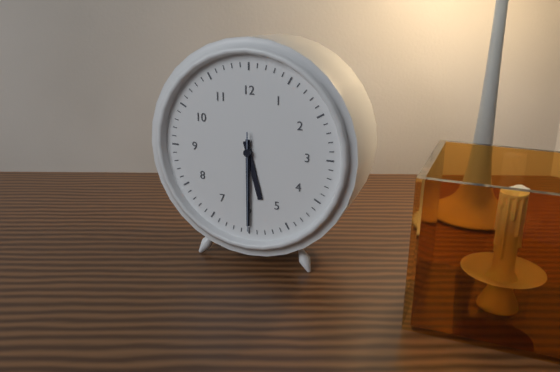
5.30.30
